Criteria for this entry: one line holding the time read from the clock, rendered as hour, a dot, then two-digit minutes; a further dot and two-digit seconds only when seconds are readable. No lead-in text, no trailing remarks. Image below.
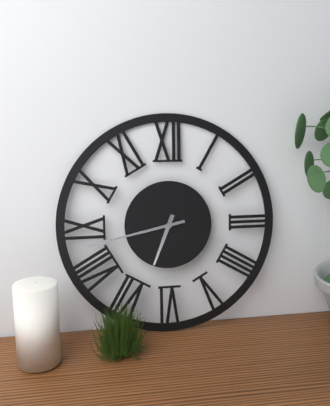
6.43
